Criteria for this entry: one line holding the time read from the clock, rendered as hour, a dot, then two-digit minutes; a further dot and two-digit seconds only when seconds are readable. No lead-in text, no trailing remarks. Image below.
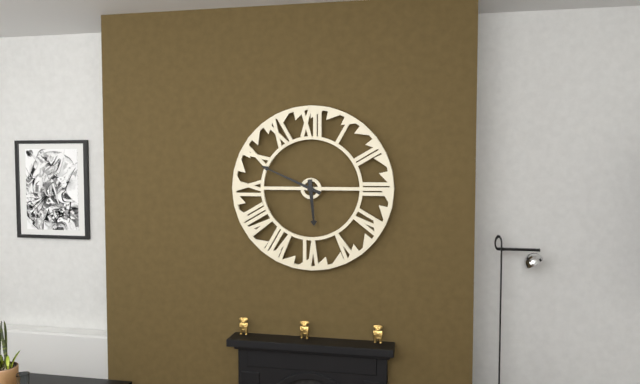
5.49
